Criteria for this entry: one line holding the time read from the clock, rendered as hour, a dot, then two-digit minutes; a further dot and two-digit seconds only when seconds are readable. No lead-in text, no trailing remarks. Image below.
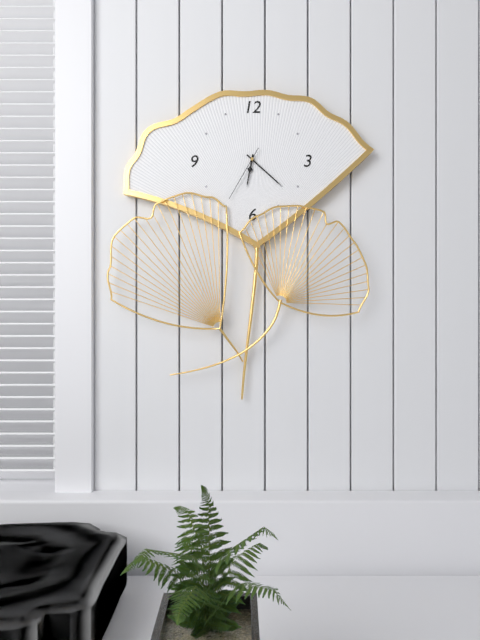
6.22.35
